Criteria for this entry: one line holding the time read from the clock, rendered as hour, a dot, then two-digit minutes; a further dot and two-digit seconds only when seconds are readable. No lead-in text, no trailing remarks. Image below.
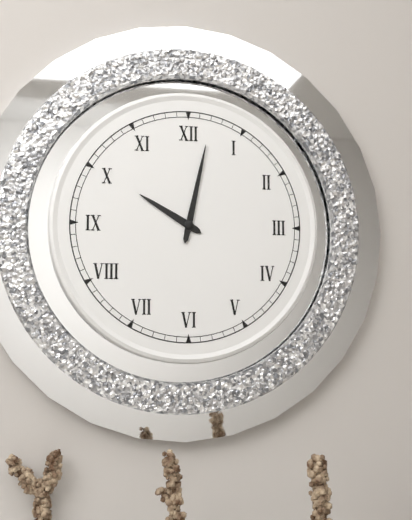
10.02
